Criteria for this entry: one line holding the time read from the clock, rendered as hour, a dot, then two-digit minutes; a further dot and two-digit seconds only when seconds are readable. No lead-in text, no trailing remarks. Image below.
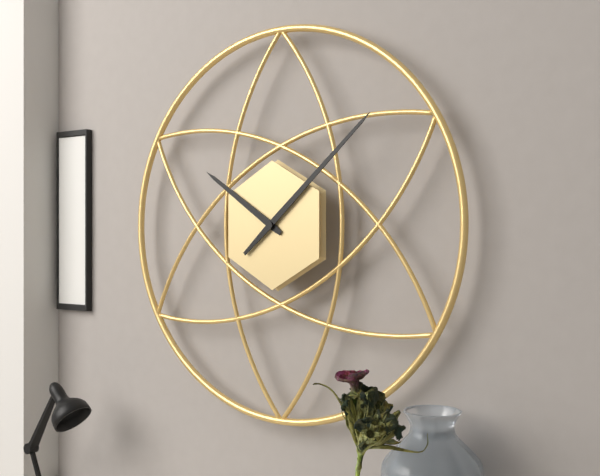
10.08
